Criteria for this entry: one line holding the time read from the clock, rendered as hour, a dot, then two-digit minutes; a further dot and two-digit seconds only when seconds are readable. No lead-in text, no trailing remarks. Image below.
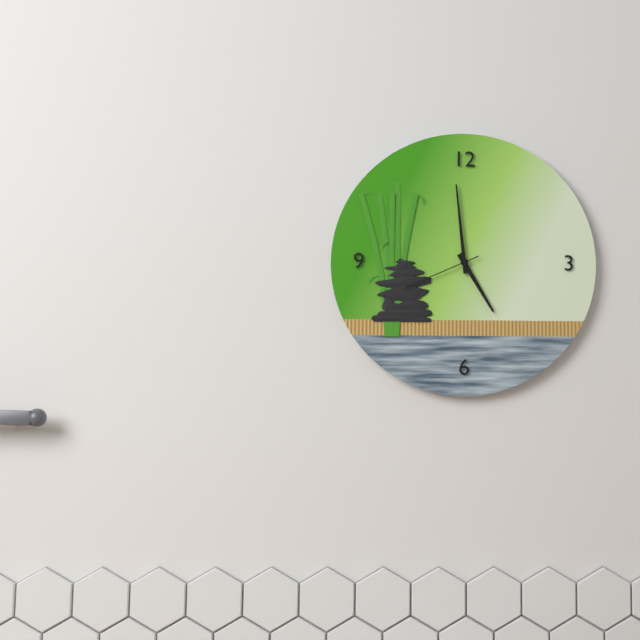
4.59.41
